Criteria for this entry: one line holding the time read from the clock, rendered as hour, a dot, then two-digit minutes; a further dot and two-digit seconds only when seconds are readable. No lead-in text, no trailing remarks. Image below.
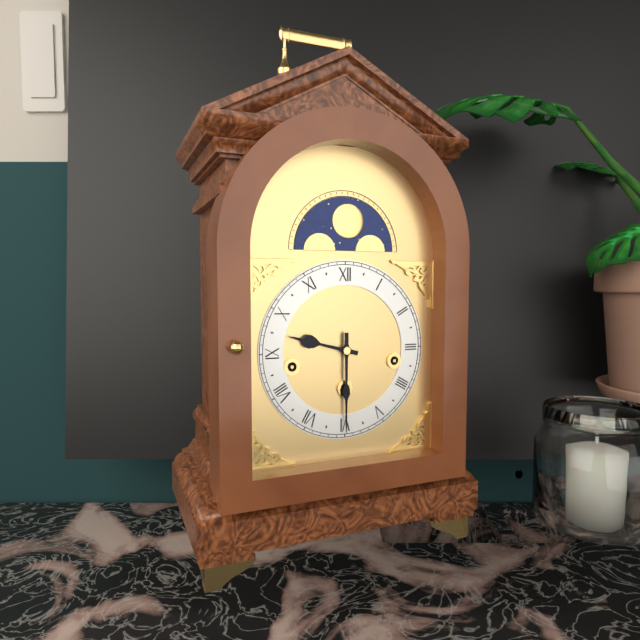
9.30
